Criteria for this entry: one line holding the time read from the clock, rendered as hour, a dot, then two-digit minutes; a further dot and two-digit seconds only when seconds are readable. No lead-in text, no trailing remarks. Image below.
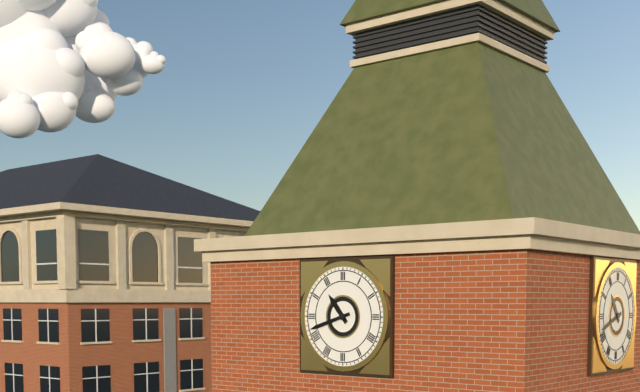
10.42
